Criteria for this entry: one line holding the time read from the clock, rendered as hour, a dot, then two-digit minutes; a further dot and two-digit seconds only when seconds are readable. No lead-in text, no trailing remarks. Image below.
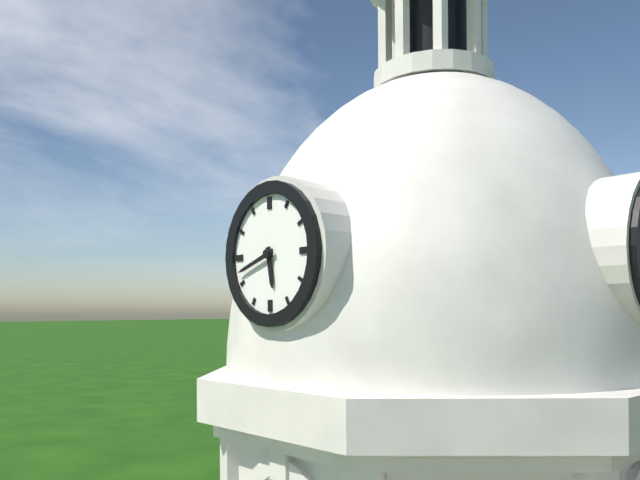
5.42
